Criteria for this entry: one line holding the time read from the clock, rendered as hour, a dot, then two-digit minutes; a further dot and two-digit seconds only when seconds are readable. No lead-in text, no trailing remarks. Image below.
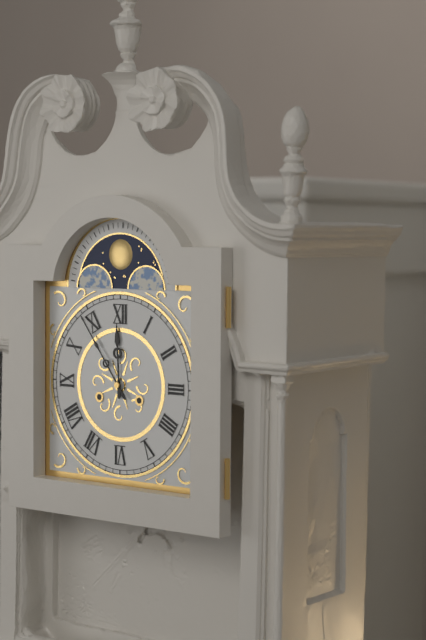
11.54
